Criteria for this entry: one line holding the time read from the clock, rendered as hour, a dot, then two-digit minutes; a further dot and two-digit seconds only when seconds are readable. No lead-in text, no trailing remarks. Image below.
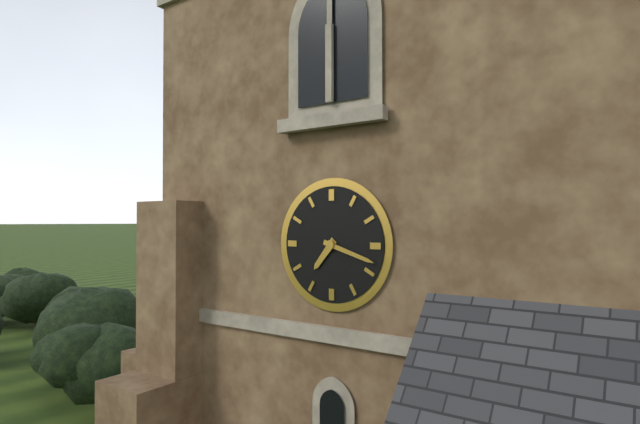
7.18
